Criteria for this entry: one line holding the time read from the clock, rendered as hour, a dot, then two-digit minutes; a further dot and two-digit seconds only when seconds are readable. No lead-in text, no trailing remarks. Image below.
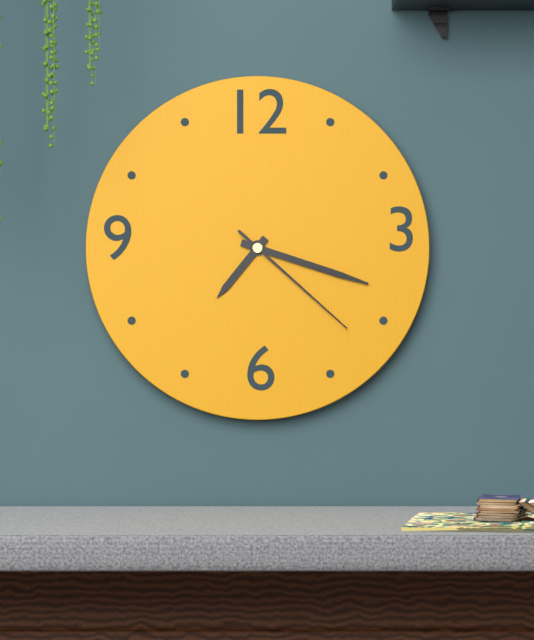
7.18.22
